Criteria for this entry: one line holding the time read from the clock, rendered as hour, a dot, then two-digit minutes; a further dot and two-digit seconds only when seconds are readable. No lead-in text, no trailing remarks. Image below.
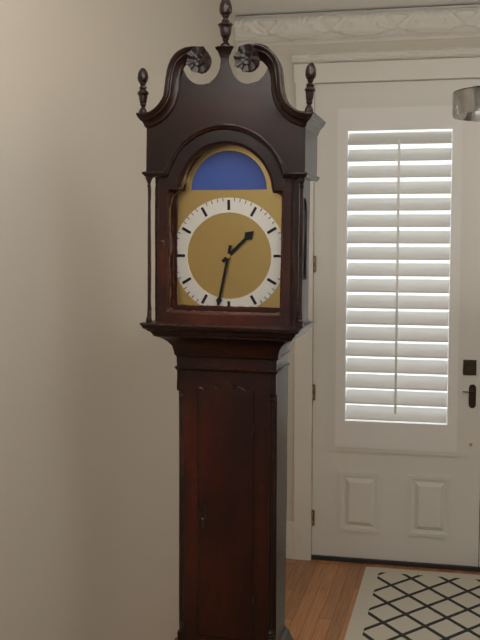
1.32
